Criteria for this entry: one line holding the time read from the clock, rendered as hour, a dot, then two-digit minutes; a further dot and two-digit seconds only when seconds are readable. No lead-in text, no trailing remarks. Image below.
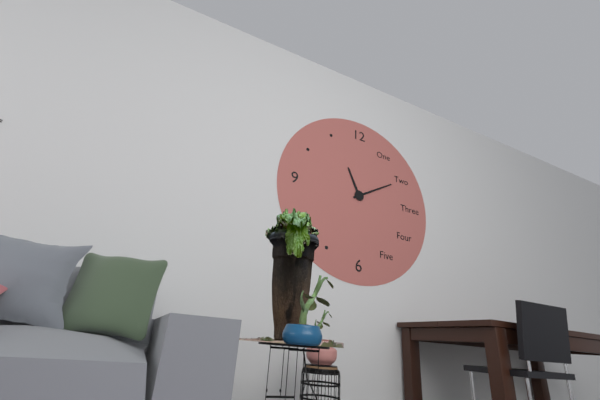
11.10
